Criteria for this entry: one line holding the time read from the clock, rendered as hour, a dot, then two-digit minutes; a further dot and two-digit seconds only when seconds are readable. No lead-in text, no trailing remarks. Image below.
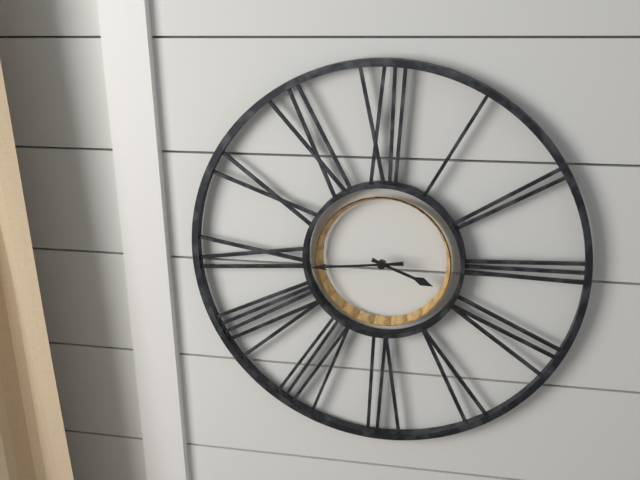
3.44
